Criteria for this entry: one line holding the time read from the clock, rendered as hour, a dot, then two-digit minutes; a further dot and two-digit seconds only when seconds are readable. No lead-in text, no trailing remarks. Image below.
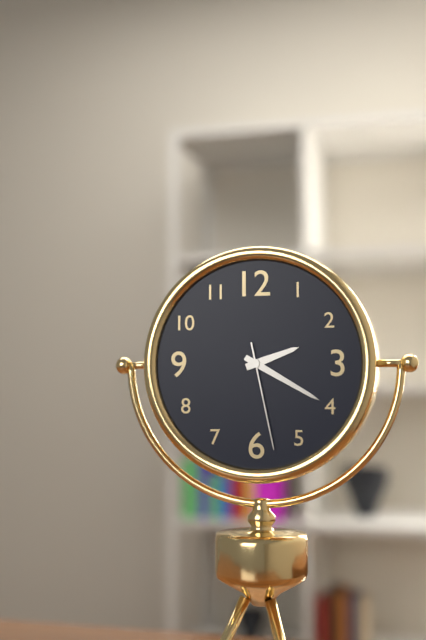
2.20.28
